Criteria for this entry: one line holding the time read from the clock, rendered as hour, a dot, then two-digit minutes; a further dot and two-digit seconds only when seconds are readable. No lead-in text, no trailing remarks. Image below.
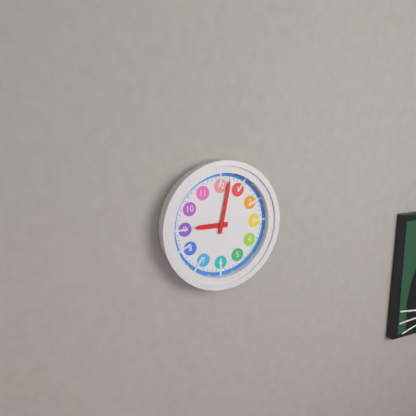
9.02
